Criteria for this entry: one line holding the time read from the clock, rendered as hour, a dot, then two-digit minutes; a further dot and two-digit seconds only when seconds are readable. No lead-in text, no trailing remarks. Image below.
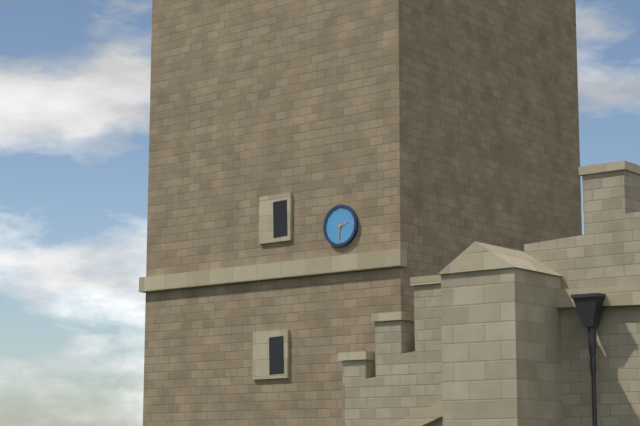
2.31
